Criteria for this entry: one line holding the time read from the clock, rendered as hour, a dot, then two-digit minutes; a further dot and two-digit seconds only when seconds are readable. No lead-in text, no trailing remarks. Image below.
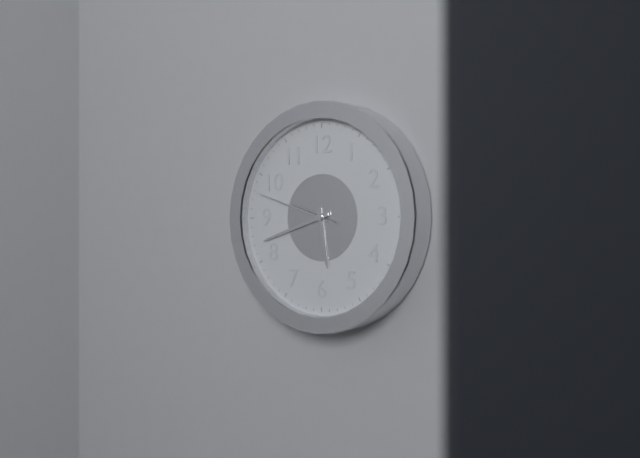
5.42.48
